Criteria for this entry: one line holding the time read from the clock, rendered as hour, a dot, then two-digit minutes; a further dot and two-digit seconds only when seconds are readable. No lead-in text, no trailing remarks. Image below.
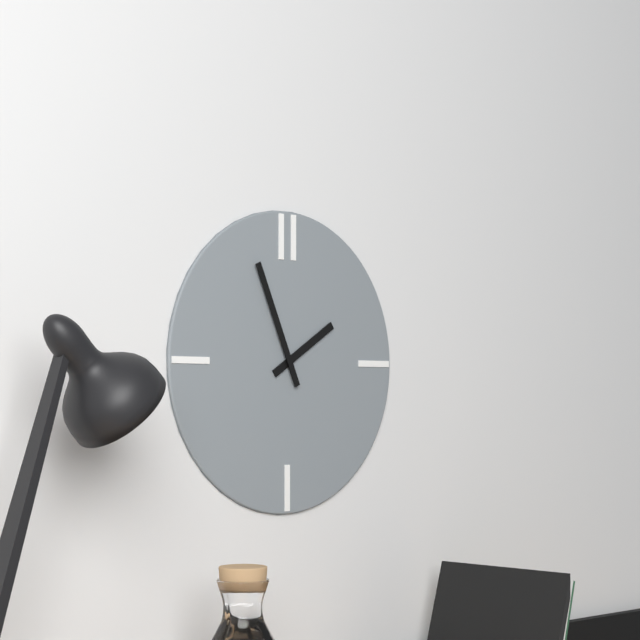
1.56
